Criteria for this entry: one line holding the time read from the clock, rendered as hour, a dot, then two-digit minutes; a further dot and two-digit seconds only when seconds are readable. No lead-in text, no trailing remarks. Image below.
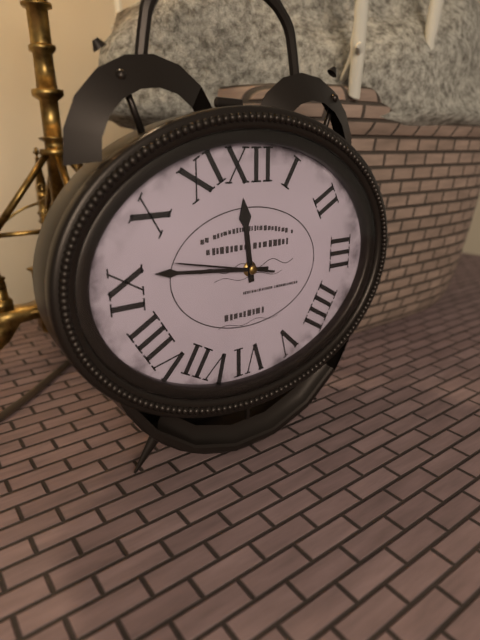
11.46.47
